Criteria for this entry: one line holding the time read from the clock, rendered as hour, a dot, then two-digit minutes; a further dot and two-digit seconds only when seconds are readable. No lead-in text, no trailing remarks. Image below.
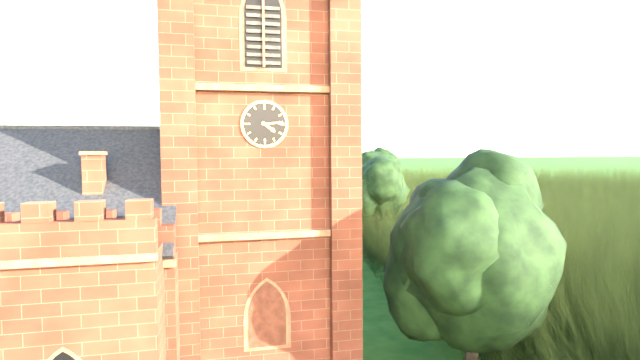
4.14
